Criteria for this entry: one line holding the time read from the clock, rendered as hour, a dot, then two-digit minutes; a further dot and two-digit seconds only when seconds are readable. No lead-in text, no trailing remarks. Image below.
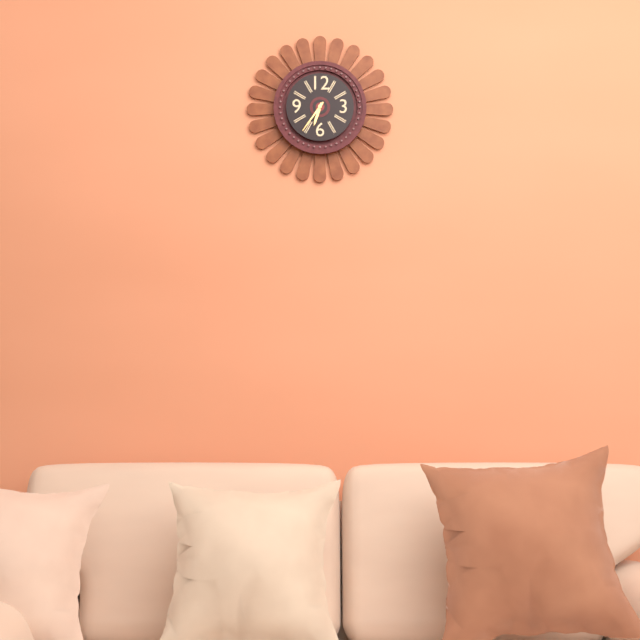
6.36
